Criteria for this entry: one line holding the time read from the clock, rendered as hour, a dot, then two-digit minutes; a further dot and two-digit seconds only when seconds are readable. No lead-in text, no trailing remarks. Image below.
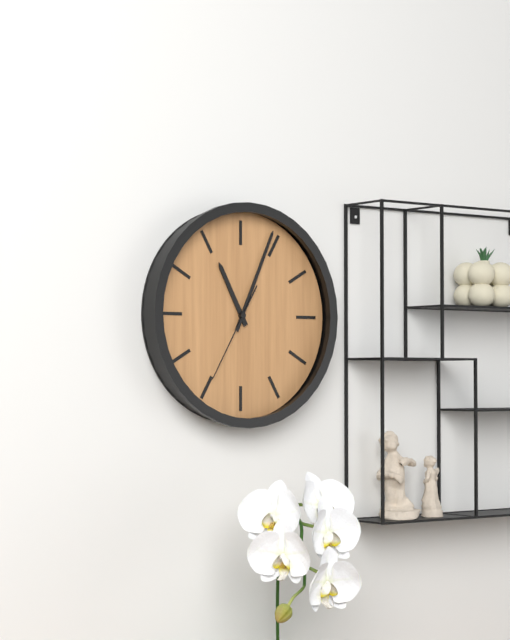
11.04.35
